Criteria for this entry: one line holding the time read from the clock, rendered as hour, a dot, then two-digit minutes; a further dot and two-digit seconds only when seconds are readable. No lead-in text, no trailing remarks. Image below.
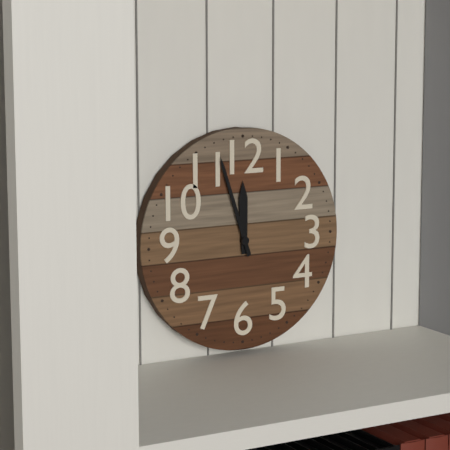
11.57
